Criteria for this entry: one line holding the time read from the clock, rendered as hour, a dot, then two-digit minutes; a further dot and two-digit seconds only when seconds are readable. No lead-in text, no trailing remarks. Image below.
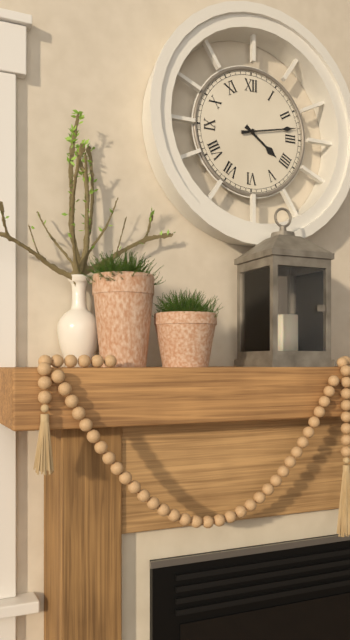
4.13
